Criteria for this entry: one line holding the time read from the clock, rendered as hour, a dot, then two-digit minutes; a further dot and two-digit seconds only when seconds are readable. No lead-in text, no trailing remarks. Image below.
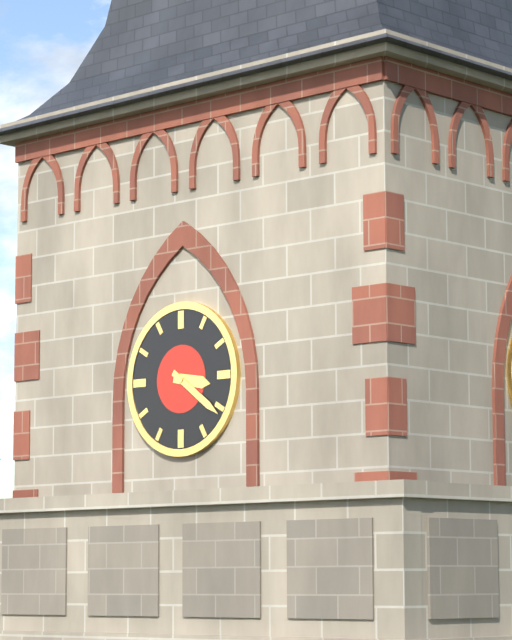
3.21
